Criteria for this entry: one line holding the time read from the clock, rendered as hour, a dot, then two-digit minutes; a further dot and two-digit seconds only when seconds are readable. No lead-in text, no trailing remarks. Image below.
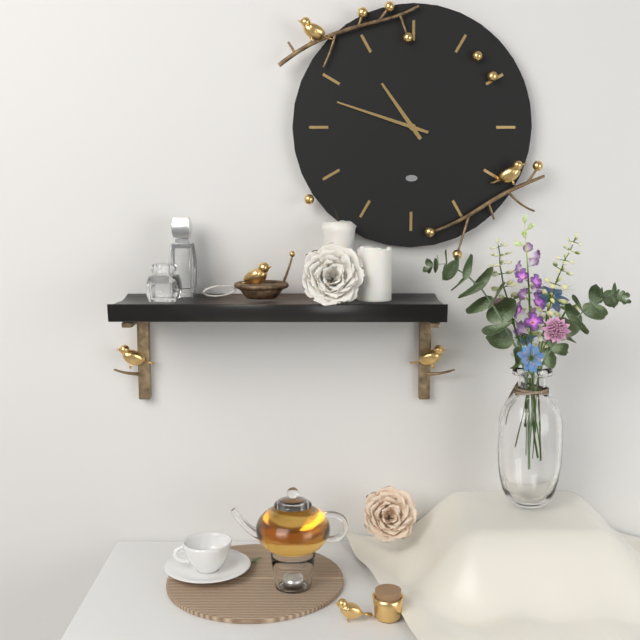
10.48
